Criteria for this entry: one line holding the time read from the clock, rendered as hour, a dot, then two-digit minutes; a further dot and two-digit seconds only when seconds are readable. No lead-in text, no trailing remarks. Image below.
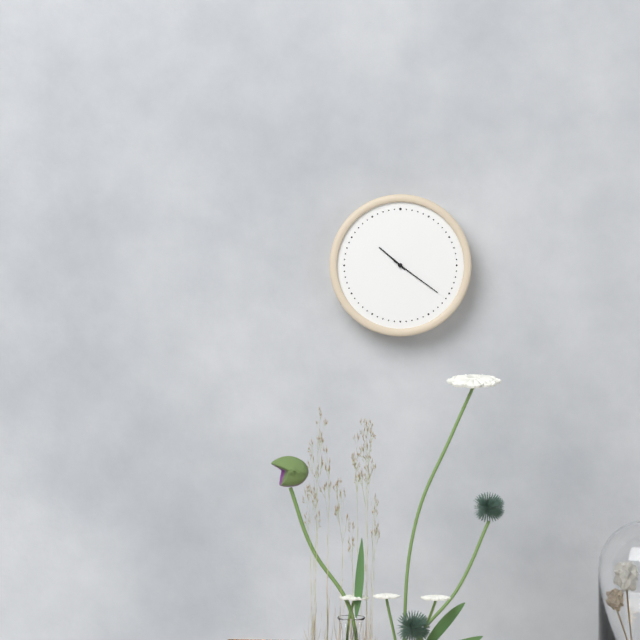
10.21
